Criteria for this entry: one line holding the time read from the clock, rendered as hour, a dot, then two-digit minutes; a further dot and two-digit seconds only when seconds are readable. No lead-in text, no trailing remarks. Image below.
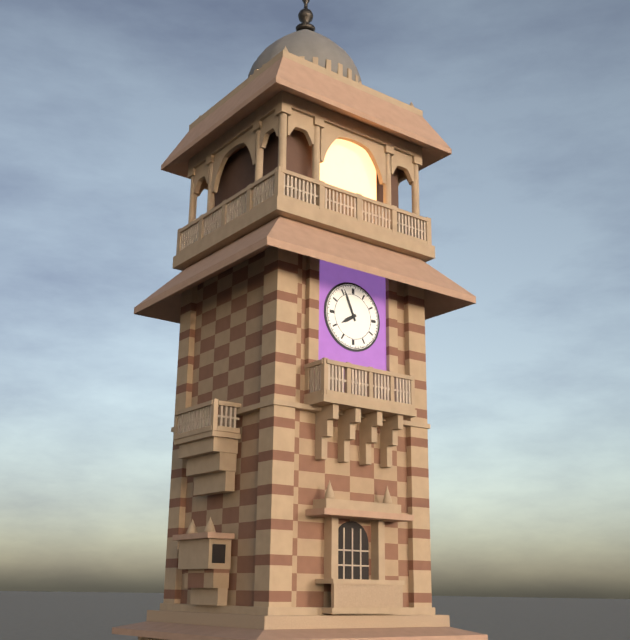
7.56
